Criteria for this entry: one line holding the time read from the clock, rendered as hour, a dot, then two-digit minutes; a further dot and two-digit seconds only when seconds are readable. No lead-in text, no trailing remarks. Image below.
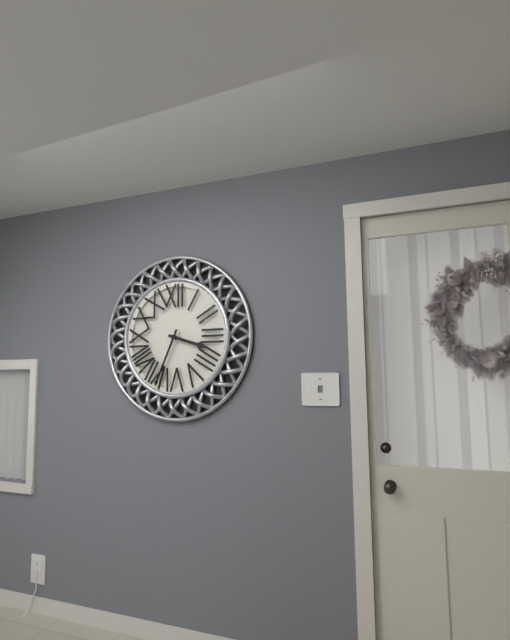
3.34
